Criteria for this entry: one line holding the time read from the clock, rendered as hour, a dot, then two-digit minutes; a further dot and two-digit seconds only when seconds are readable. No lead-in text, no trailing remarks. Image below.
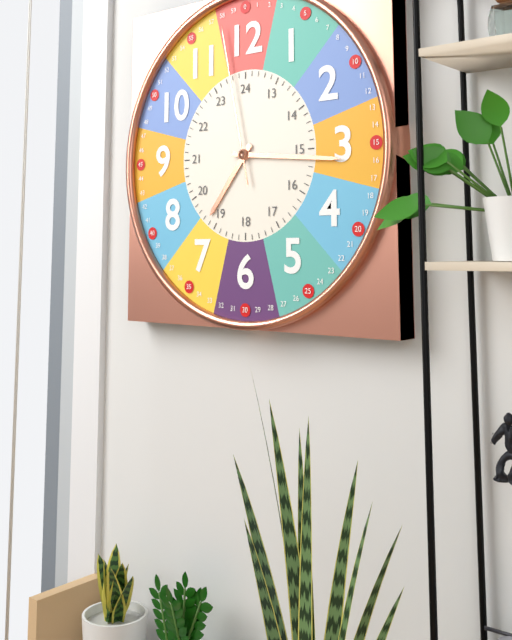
7.16.58
